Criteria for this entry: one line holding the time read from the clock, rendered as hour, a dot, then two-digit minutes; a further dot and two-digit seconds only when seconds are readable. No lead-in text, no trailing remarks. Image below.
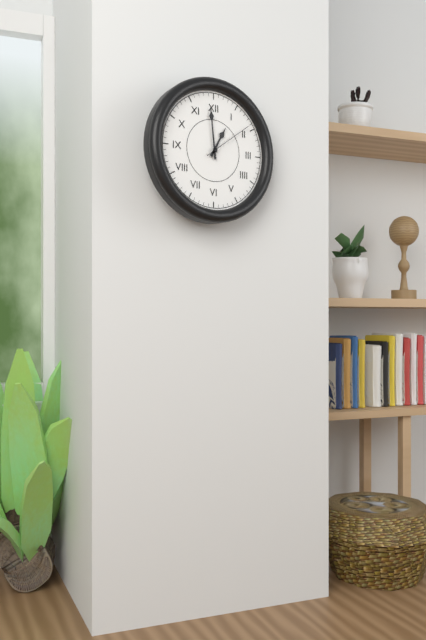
12.59.09
